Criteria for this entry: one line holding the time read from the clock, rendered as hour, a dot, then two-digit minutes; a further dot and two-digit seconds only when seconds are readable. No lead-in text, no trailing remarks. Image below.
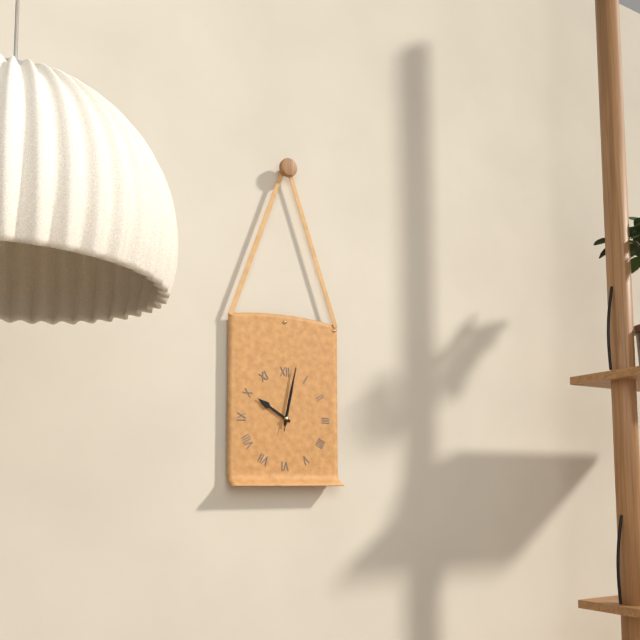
10.02.02
